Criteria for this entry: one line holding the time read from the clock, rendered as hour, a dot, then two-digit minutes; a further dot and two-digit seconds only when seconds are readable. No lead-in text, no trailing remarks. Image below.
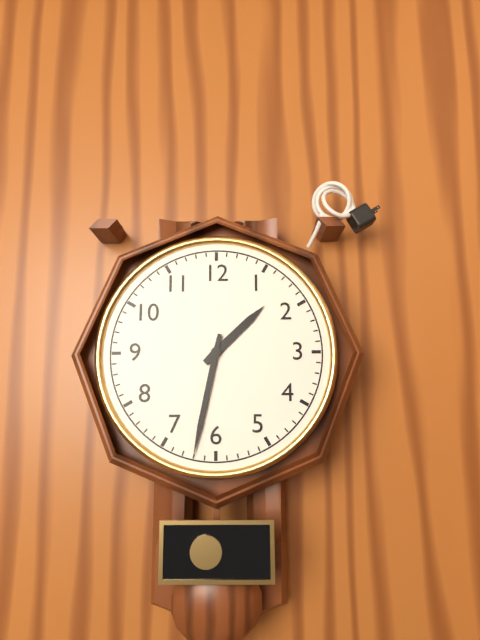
1.32
